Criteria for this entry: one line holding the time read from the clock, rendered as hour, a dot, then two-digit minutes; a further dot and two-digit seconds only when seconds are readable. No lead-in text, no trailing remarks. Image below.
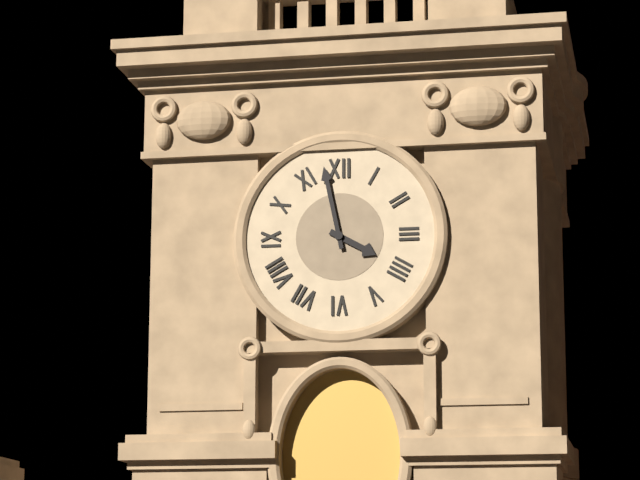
3.58
